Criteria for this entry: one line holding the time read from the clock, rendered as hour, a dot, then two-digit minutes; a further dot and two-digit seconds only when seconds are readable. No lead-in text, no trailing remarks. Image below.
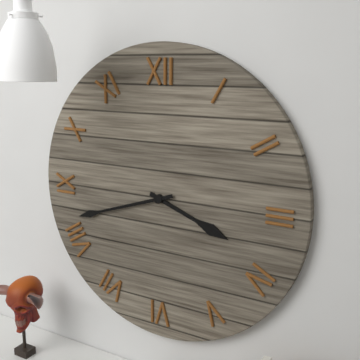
3.42
